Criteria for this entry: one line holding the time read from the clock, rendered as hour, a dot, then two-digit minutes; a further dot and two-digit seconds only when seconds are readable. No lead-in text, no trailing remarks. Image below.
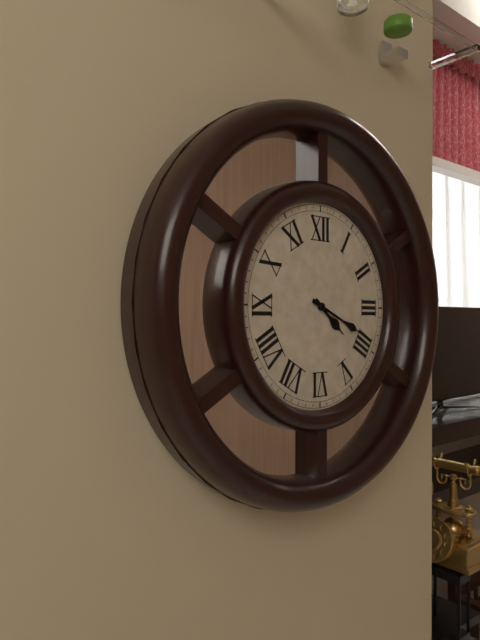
4.19
